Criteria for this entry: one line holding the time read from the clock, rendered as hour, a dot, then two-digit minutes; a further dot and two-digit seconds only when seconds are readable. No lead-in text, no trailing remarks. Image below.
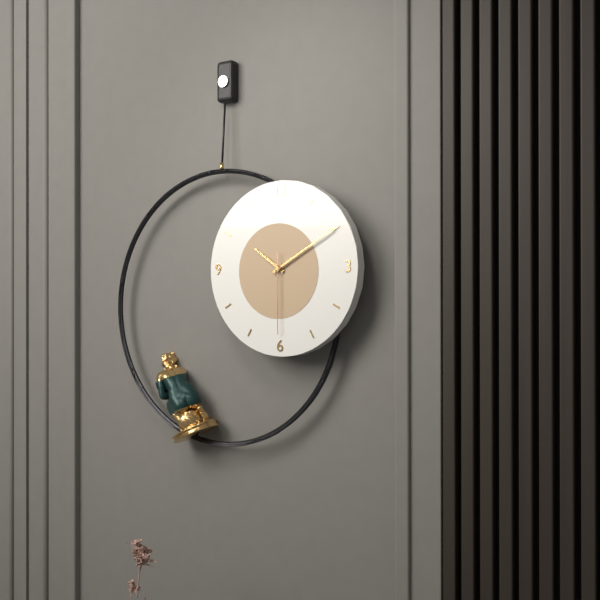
10.10.30
